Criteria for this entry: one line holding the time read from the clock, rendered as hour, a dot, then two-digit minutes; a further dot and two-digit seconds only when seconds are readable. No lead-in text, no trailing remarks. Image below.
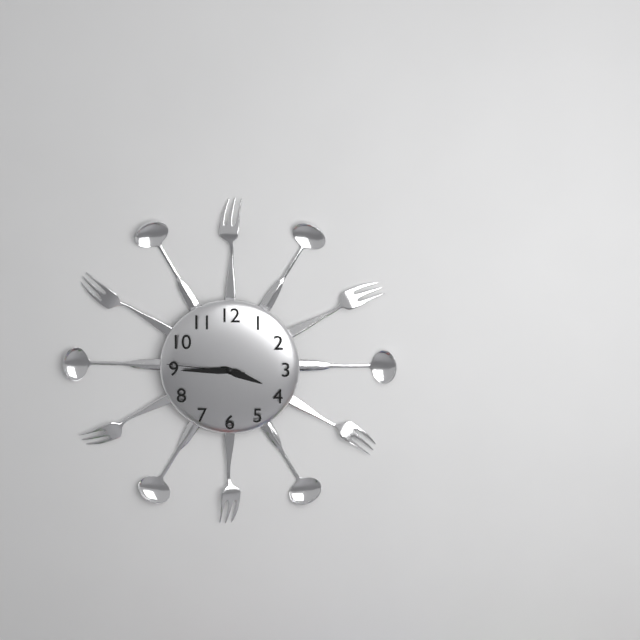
3.45.46
